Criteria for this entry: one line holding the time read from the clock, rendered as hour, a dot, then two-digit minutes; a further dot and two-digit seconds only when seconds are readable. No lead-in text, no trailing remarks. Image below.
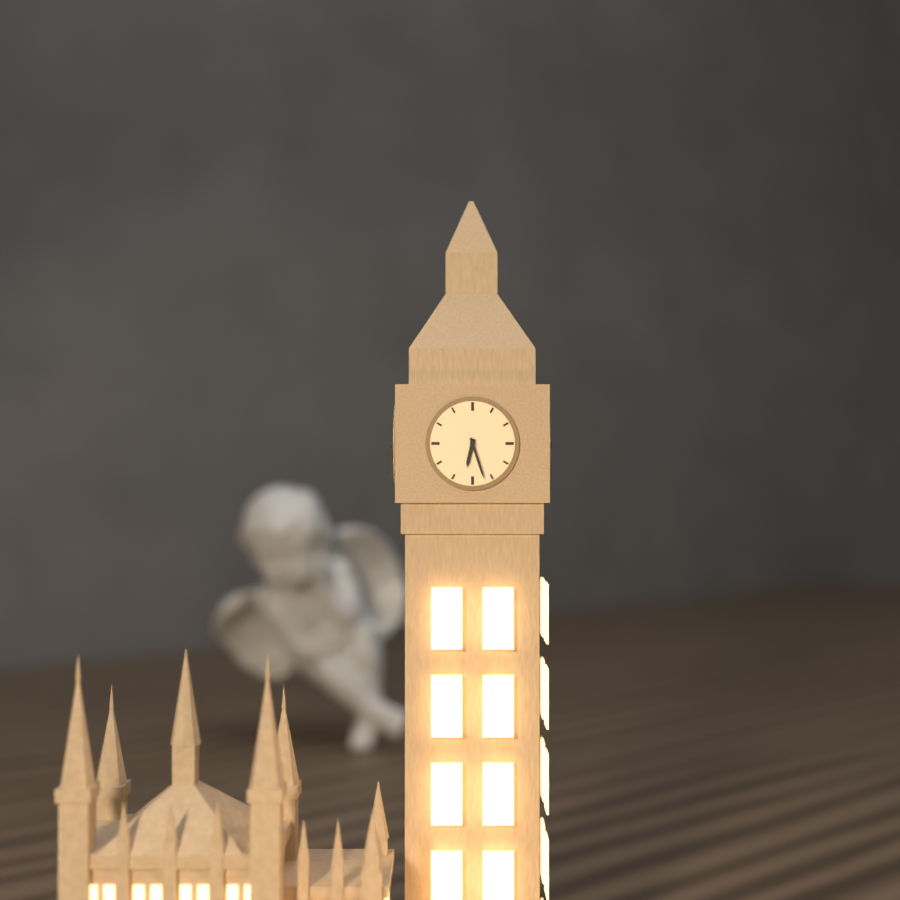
6.27
